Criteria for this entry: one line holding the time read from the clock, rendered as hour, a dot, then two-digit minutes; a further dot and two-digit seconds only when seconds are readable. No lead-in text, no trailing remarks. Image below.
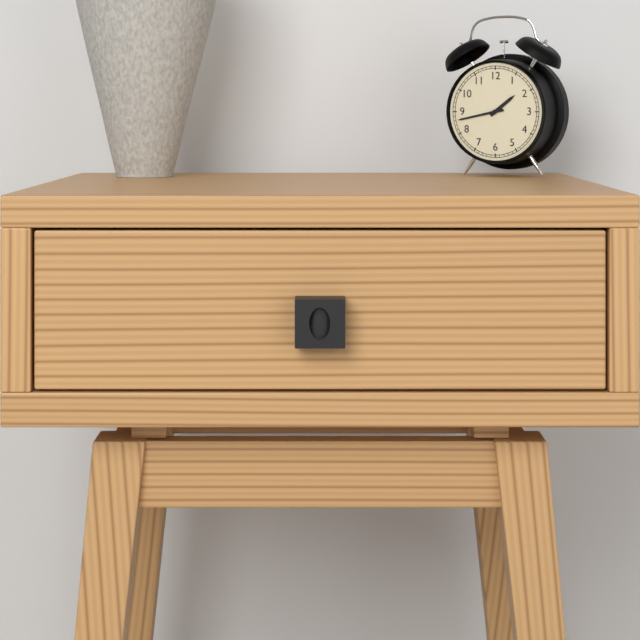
1.43
